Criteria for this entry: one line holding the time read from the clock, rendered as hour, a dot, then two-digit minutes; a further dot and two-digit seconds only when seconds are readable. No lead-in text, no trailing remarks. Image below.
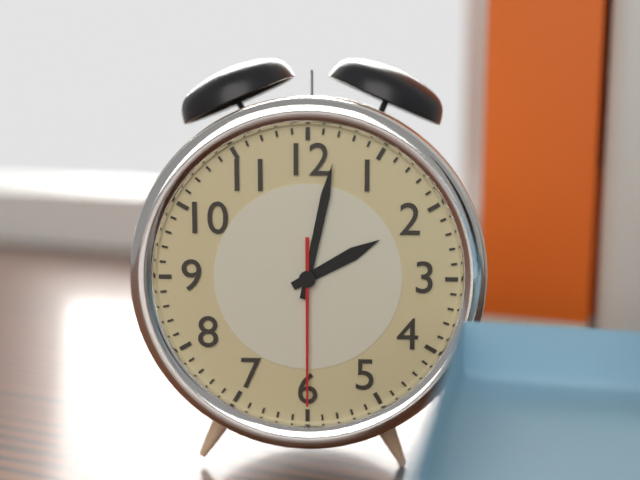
2.02.30
